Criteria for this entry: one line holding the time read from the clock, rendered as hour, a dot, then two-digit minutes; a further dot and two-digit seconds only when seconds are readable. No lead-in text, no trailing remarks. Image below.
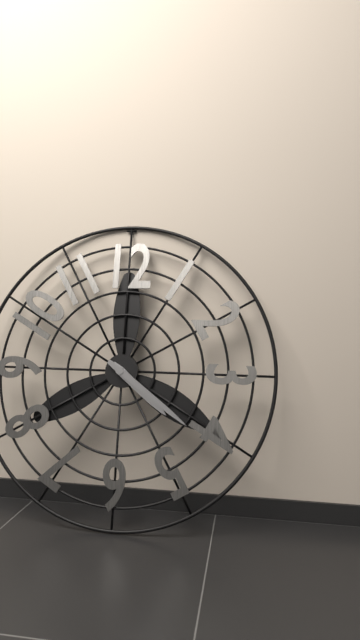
4.21
